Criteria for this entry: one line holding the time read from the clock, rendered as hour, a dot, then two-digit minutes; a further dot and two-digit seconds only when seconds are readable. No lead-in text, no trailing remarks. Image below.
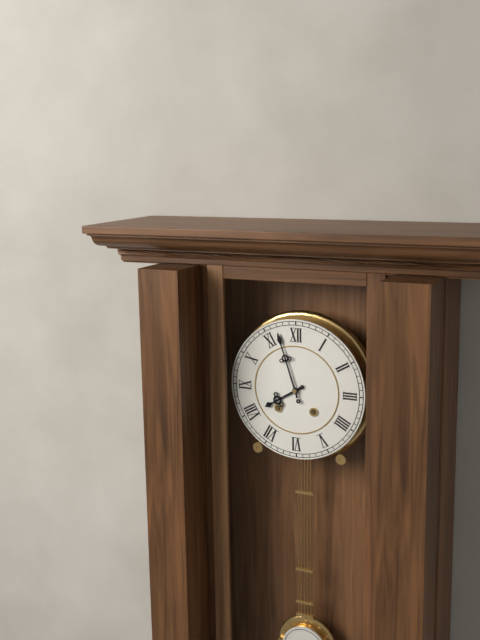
7.57
